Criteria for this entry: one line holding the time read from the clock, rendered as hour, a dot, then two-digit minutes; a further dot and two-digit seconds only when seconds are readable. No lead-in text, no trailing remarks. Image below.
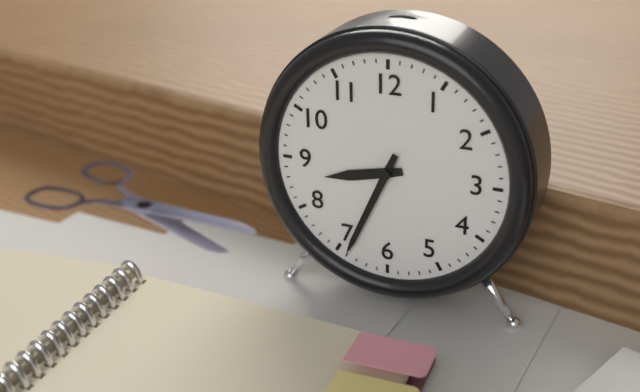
8.34
